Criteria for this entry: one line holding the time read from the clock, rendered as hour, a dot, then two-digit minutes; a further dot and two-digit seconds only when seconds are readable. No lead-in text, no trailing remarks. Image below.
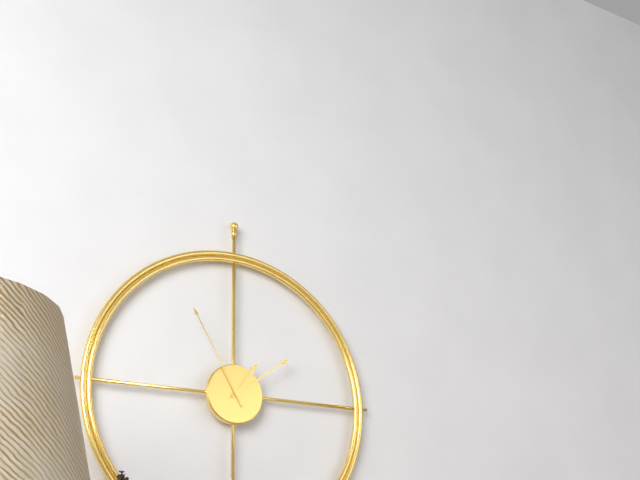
1.09.55
